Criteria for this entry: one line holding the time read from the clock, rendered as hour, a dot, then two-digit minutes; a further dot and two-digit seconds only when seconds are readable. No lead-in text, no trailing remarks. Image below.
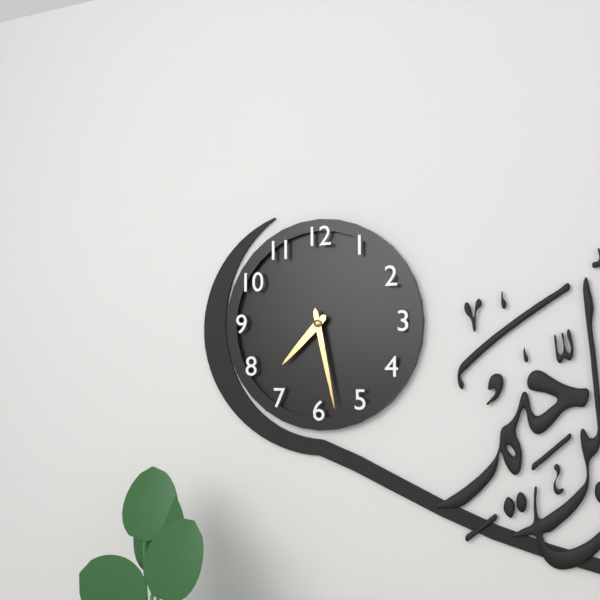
7.28
